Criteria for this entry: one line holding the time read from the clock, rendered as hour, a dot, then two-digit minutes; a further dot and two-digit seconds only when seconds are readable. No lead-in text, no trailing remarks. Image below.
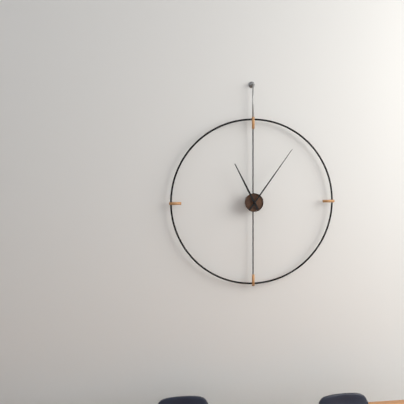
11.06
